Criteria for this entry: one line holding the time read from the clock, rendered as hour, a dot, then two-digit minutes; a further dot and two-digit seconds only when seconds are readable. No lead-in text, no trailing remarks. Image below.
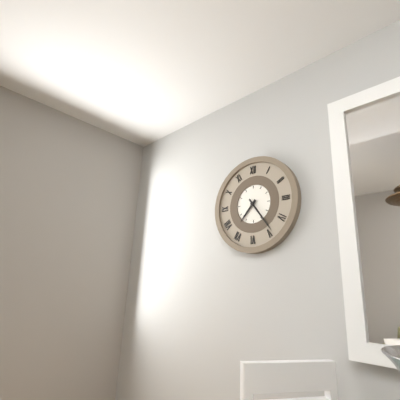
7.24
